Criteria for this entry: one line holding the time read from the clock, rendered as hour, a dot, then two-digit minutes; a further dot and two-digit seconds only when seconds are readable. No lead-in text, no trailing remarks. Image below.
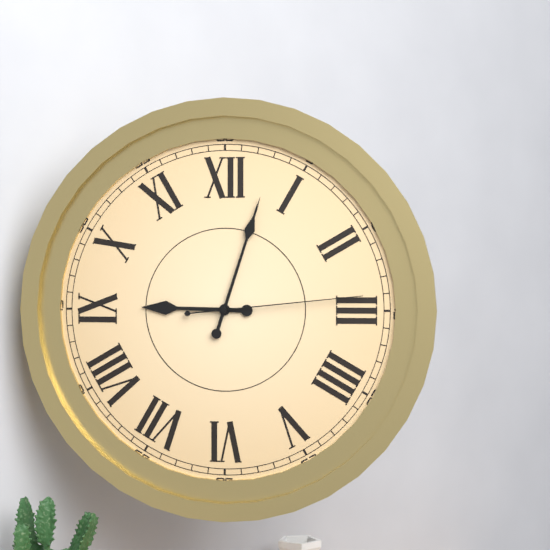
9.03.14
